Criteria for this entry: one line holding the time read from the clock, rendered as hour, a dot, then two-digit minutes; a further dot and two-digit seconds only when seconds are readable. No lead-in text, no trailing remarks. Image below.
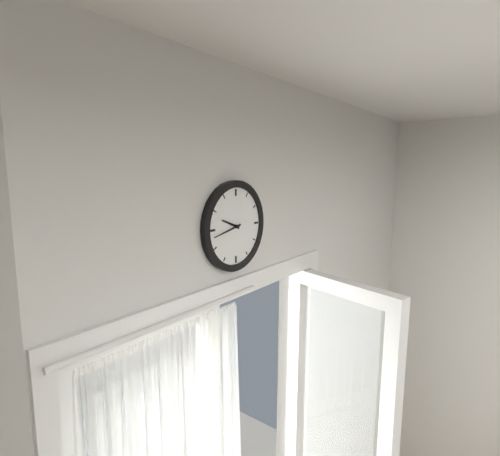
9.43
